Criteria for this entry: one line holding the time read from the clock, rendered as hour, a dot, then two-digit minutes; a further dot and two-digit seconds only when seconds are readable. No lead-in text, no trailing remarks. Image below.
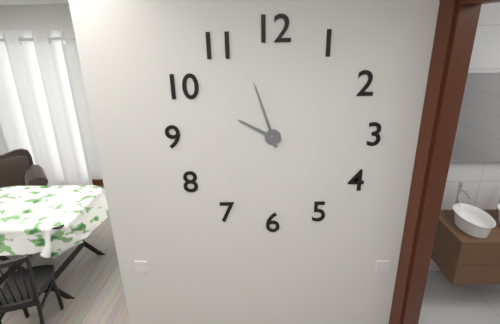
9.57
